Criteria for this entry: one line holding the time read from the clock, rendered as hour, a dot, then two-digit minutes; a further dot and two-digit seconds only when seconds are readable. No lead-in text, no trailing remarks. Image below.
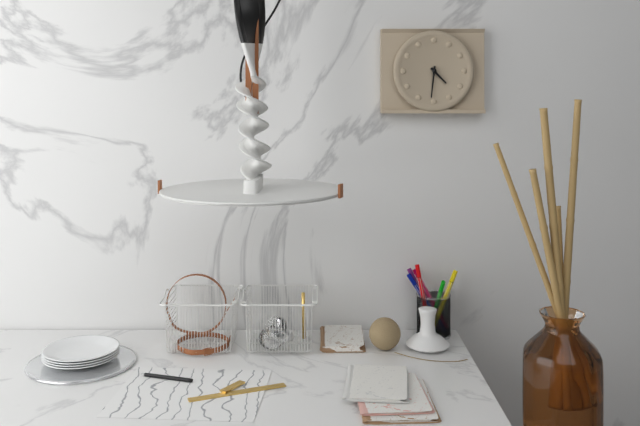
4.31
